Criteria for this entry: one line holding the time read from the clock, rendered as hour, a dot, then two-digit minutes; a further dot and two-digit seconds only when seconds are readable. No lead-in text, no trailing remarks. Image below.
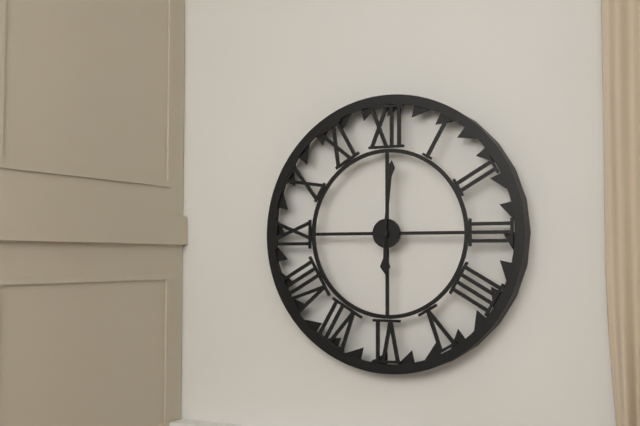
6.01
